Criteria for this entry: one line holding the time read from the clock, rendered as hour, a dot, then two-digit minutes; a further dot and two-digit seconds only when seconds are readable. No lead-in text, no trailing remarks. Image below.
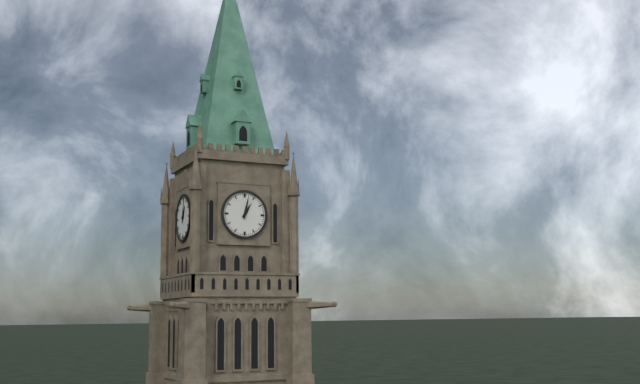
1.02
